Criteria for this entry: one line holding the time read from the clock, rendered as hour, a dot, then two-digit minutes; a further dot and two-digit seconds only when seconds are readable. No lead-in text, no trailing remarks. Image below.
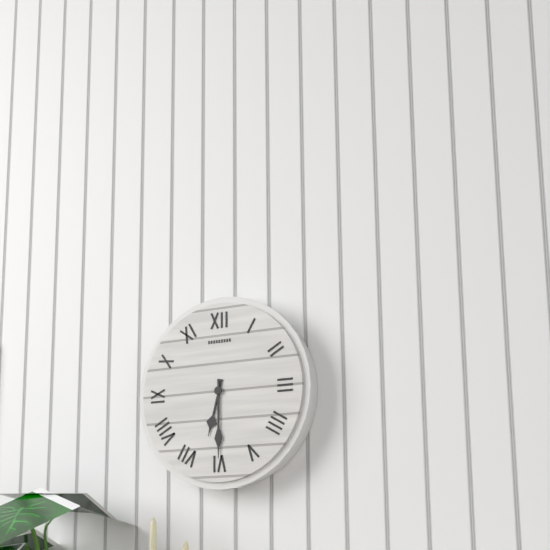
6.30
